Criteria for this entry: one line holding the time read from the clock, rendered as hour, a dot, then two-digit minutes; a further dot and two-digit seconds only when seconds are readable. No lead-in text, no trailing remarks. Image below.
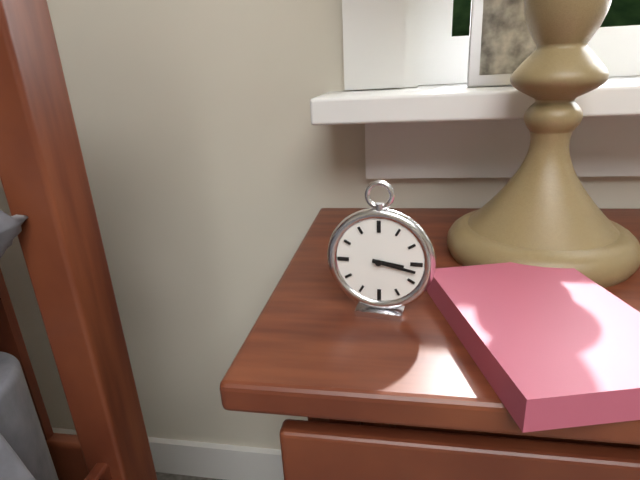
3.17
